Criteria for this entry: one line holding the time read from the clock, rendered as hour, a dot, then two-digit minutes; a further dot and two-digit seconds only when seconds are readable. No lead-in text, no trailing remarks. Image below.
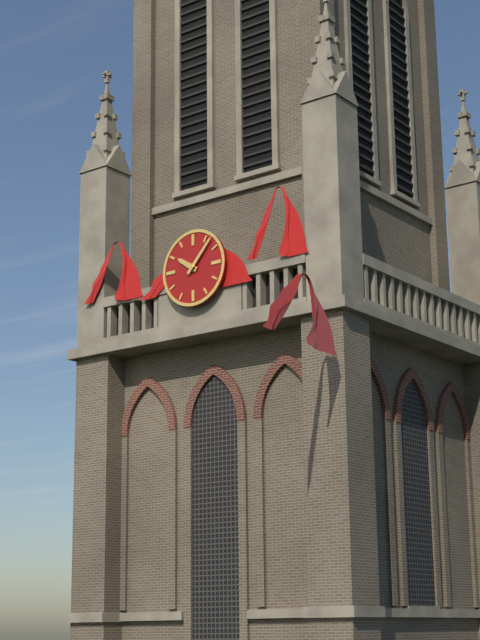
10.07
